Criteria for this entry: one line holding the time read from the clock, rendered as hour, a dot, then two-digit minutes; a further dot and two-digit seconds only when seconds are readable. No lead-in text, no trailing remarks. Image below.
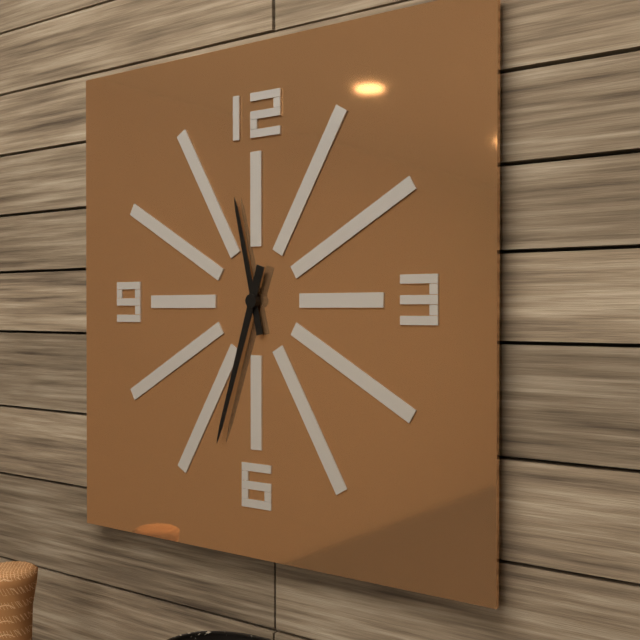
11.33
